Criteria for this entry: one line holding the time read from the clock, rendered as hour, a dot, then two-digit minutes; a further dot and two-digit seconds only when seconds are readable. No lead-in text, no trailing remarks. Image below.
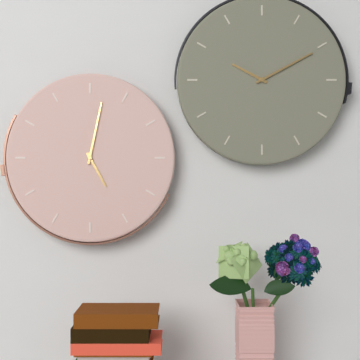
5.02
